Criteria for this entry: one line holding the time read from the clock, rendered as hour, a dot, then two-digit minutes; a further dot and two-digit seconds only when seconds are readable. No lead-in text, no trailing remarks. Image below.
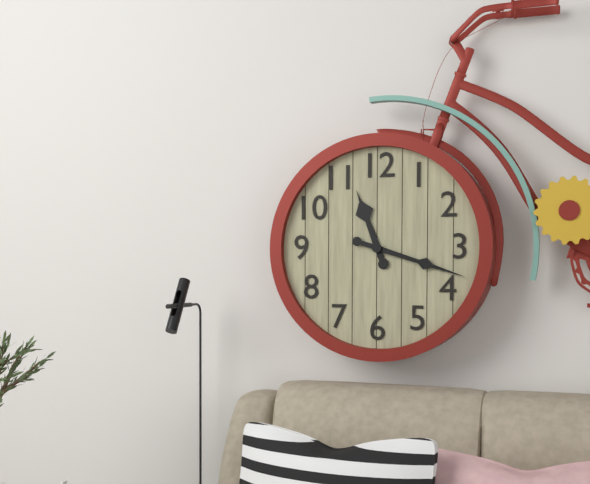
11.18
